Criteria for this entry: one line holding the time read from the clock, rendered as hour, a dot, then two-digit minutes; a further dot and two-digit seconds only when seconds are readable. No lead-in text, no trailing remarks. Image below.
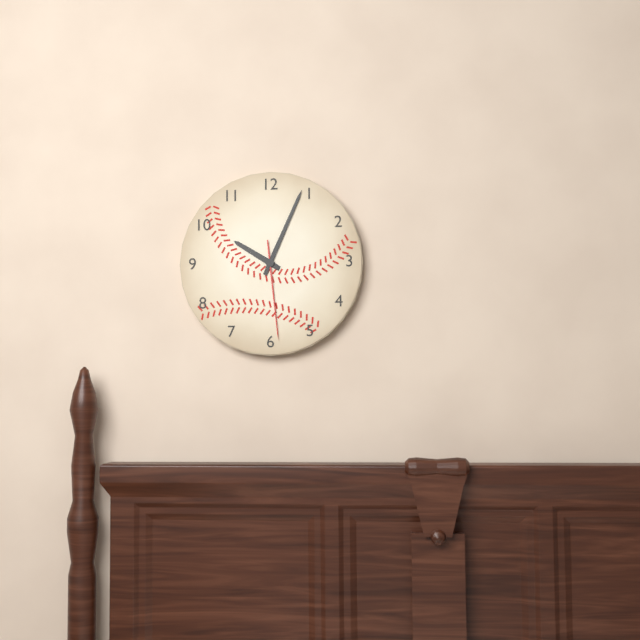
10.04.29
